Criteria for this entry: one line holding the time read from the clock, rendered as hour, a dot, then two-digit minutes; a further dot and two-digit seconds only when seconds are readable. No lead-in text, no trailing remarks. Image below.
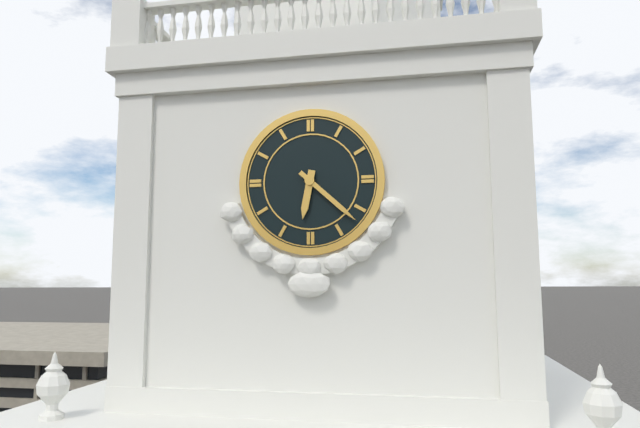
6.22
